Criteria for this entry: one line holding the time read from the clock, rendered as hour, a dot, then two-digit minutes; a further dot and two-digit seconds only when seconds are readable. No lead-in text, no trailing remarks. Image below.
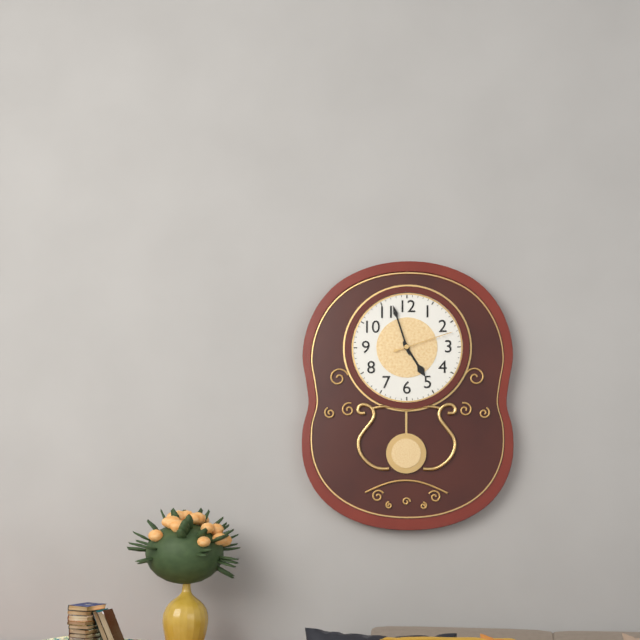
4.57.12
